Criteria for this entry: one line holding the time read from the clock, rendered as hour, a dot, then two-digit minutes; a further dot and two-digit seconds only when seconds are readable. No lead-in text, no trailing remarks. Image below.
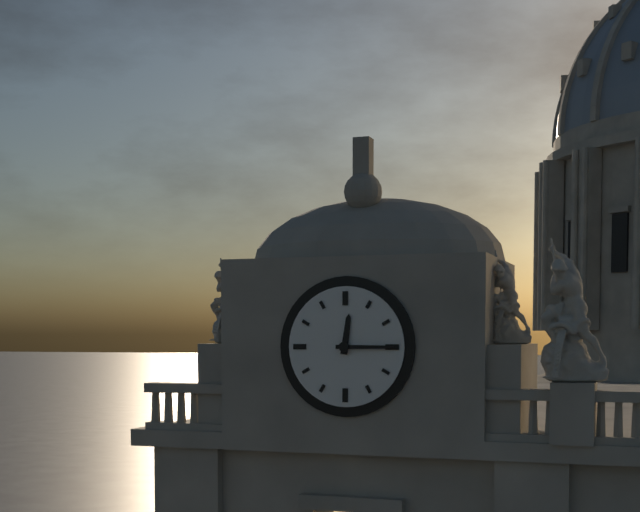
12.15
